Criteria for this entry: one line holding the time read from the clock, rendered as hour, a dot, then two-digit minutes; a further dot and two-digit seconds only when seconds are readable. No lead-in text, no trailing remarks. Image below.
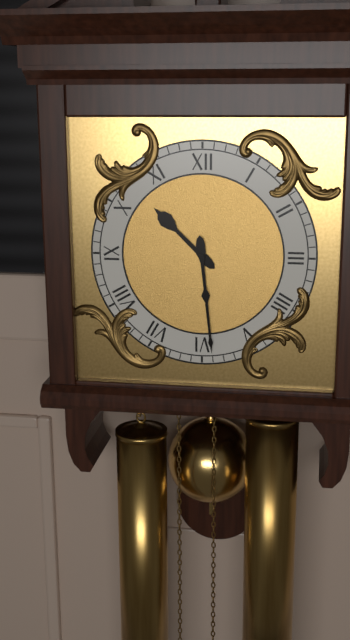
10.29
